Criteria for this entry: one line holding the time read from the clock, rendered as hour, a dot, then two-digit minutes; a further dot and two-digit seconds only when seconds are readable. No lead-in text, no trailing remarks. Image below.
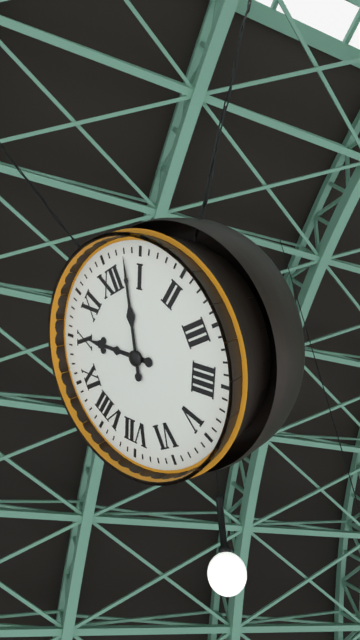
10.03
